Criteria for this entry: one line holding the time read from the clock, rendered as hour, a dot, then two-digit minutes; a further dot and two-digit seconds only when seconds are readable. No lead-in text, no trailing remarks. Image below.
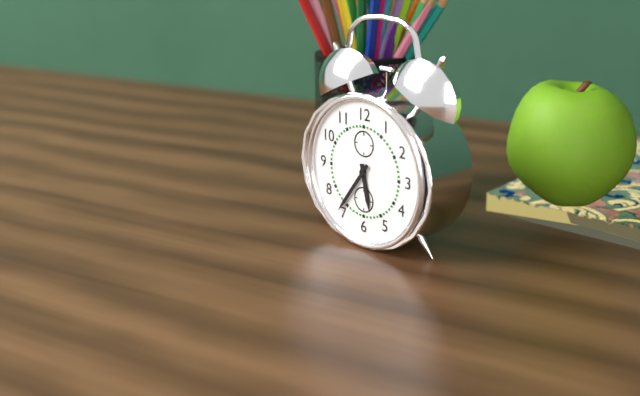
5.36
